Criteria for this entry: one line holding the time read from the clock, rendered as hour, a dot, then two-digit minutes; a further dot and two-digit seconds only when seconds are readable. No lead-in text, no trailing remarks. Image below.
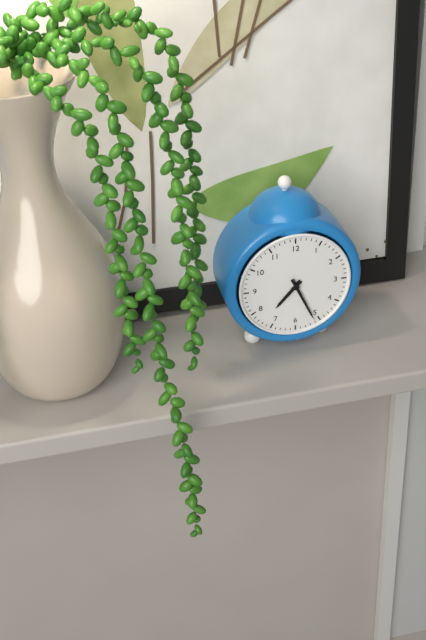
7.26
